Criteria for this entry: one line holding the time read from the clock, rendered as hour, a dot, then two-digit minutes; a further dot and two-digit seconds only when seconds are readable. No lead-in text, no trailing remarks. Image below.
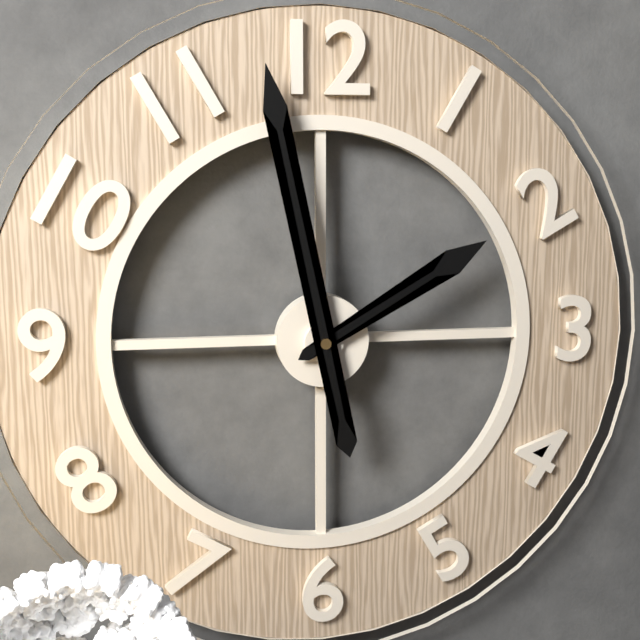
1.58
